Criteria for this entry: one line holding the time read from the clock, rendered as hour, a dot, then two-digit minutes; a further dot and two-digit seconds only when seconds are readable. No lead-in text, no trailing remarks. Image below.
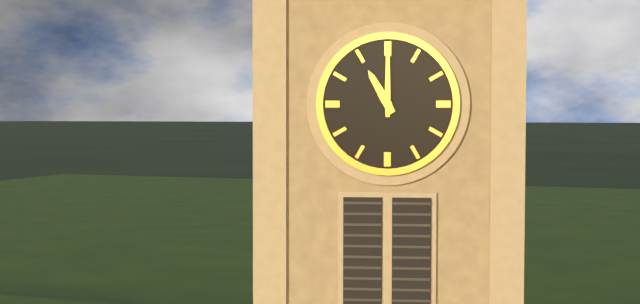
11.00
